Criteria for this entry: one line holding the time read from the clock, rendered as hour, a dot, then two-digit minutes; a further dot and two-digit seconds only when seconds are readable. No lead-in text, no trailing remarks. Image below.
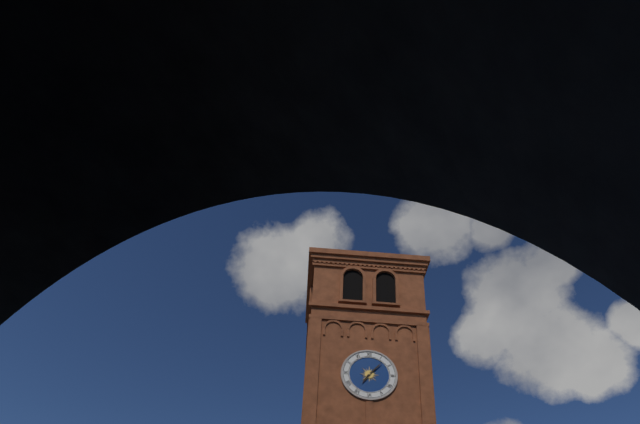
7.07
